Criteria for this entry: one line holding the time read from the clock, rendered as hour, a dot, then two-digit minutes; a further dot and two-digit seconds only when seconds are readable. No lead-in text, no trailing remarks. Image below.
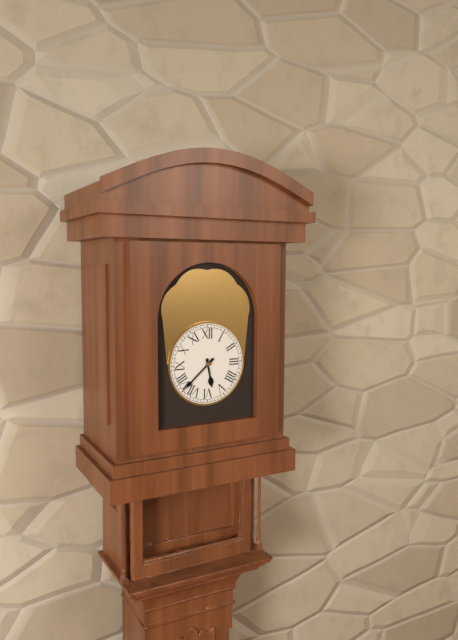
5.38
